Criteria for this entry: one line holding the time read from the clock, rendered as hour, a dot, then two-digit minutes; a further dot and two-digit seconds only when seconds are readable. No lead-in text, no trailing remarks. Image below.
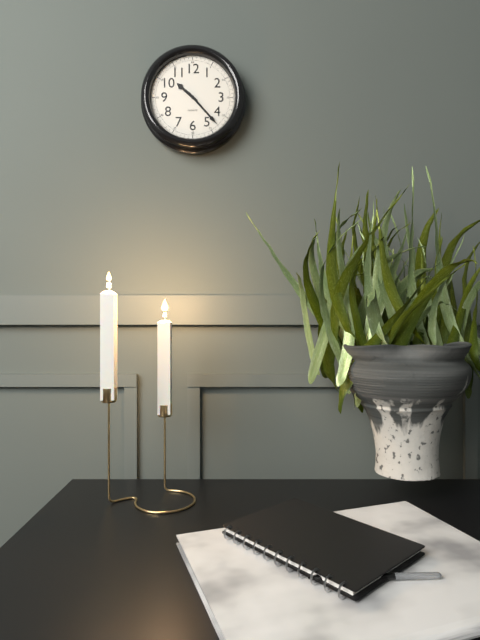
10.23
